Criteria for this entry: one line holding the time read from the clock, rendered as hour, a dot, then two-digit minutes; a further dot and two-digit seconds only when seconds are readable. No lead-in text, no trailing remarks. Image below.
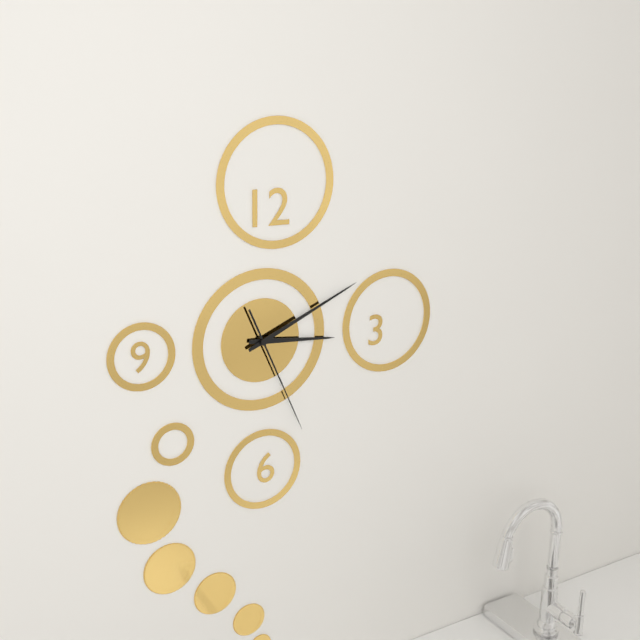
3.11.26
